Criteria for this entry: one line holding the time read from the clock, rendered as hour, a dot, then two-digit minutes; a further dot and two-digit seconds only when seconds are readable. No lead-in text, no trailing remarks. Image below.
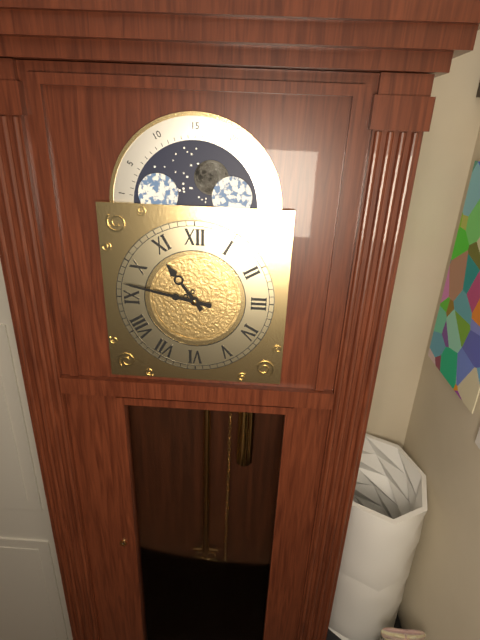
10.47
